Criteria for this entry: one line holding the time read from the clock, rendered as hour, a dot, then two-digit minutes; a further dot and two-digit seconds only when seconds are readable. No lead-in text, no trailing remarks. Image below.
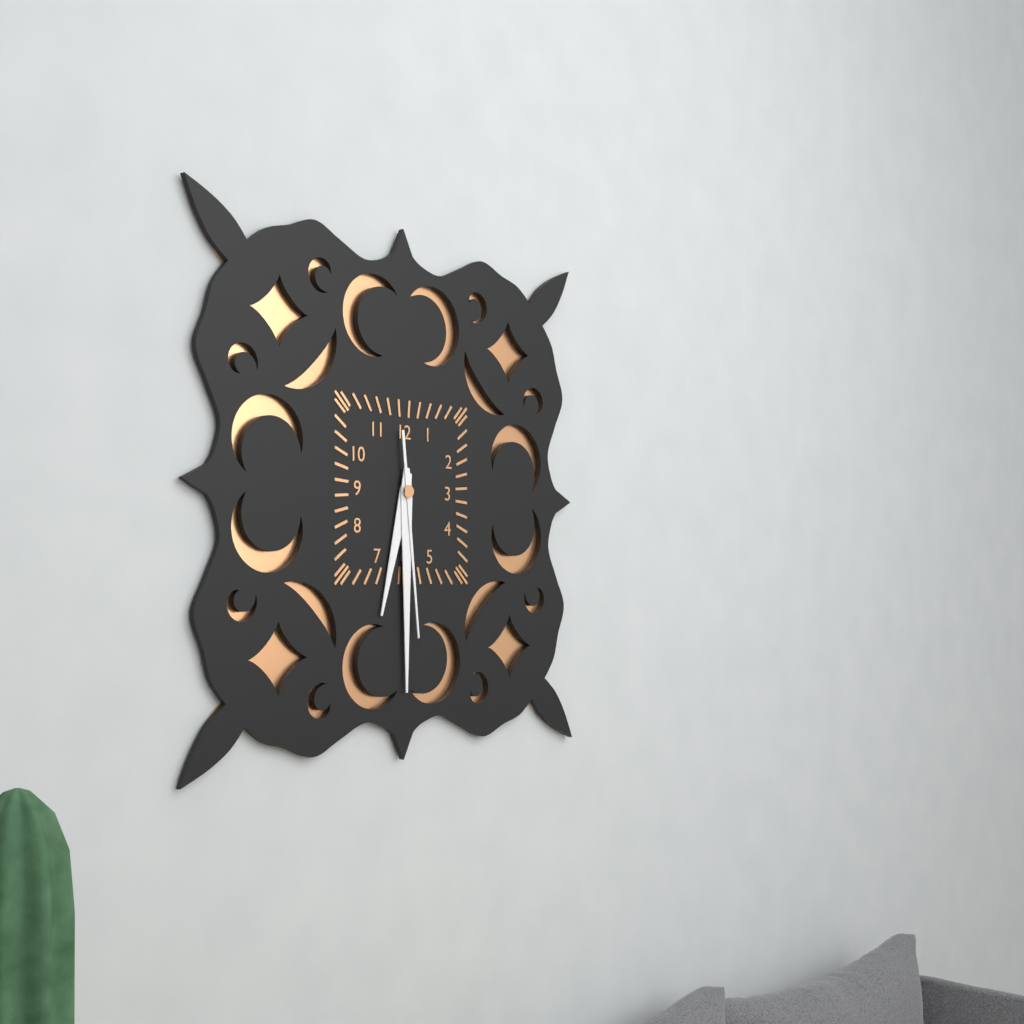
6.30.29
